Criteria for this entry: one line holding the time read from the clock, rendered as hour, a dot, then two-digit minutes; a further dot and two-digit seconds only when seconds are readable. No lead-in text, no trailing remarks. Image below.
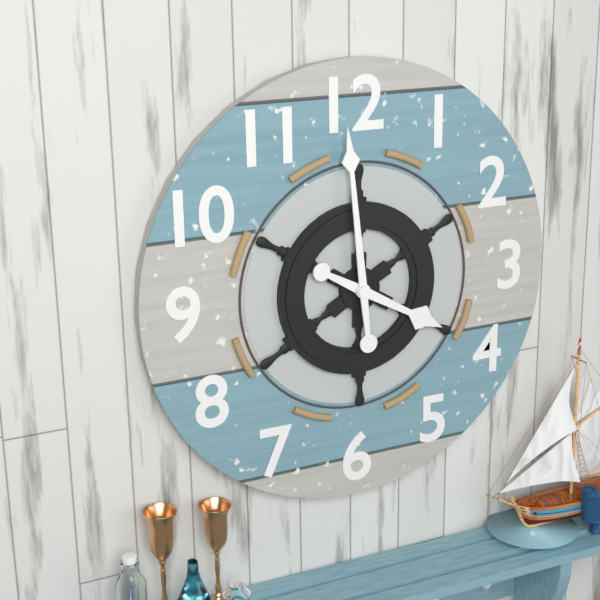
3.59
